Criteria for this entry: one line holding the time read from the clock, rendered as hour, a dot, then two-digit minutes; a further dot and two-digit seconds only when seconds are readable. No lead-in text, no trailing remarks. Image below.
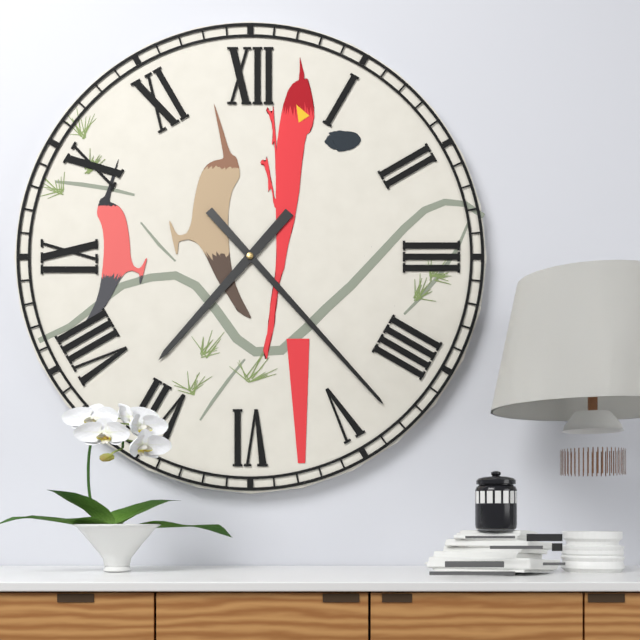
7.23
